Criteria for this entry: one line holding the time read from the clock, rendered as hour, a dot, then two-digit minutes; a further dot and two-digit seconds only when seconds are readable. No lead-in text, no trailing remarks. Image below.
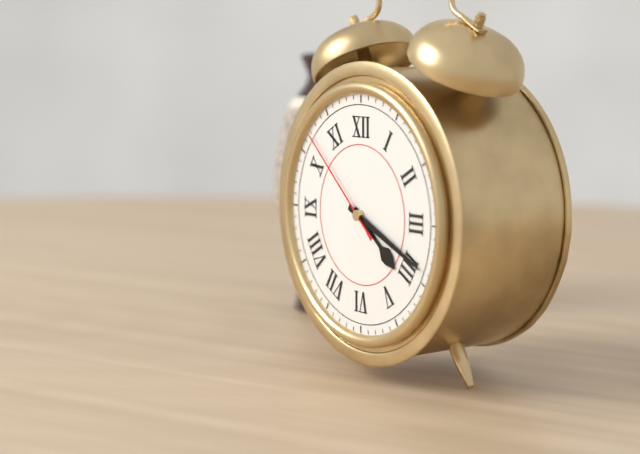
4.19.52
